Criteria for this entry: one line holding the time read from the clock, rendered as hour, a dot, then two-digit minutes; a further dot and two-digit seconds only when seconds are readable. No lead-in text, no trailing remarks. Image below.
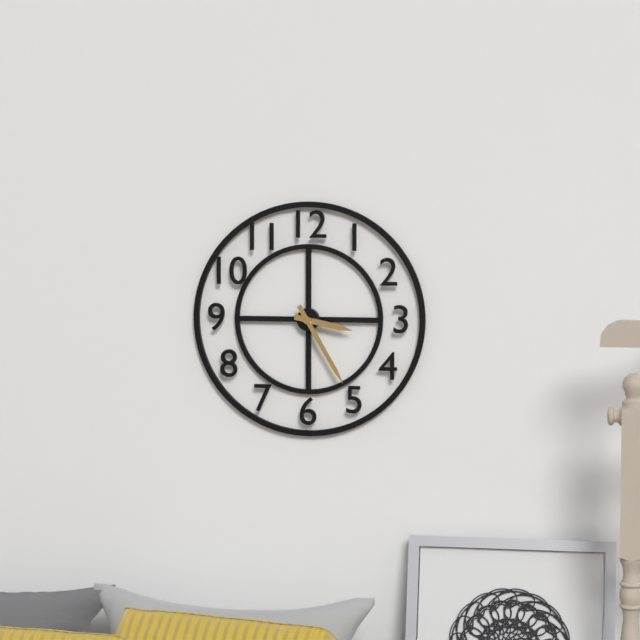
3.25
